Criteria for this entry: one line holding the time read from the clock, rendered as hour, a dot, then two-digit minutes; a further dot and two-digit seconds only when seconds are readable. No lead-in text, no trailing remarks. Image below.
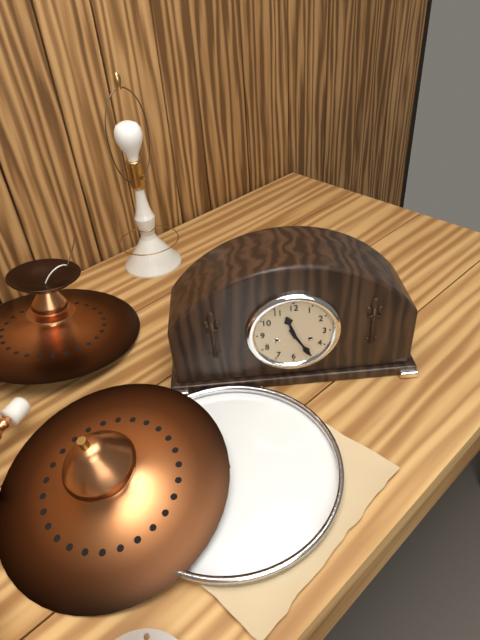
11.25
